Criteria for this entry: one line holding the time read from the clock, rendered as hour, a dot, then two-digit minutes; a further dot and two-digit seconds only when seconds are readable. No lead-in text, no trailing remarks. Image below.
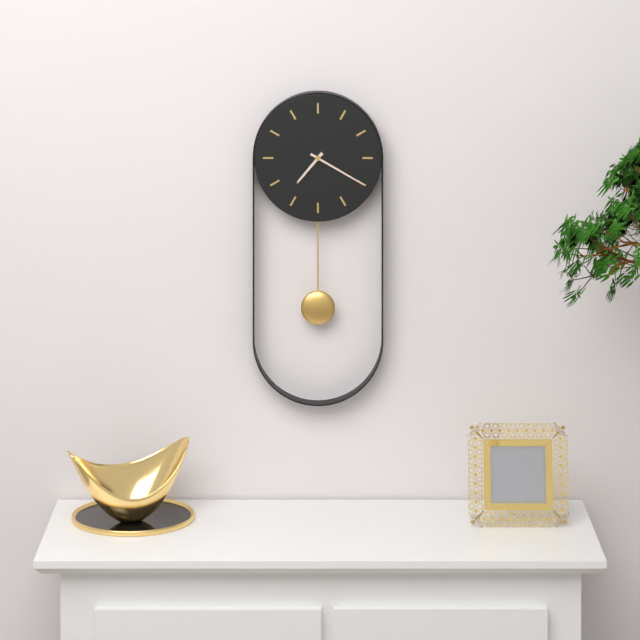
7.20
